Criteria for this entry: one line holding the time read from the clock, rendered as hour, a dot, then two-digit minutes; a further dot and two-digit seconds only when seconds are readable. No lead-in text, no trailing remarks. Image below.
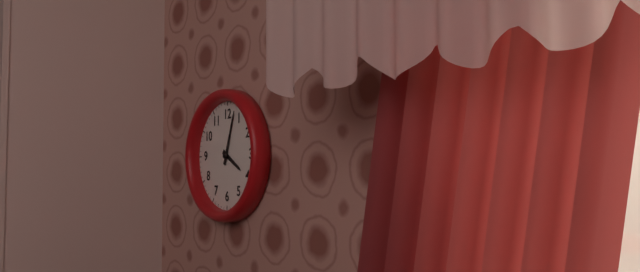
4.03
